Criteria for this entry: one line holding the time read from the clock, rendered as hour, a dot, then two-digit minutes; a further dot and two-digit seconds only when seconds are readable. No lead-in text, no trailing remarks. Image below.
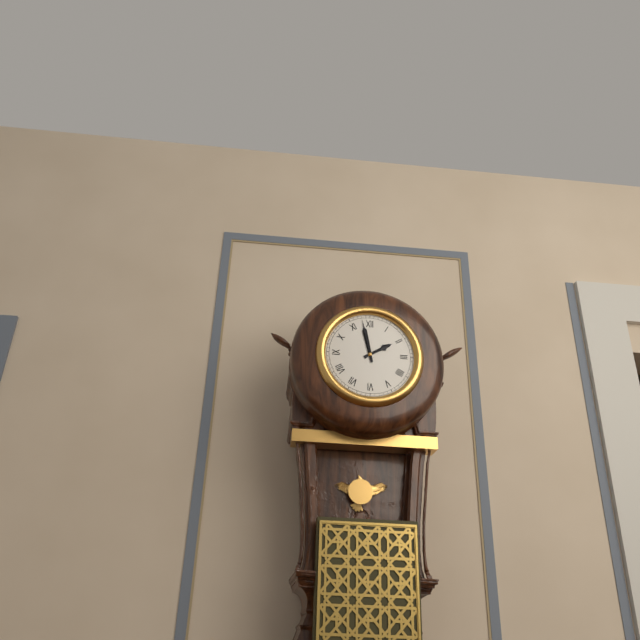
1.58
